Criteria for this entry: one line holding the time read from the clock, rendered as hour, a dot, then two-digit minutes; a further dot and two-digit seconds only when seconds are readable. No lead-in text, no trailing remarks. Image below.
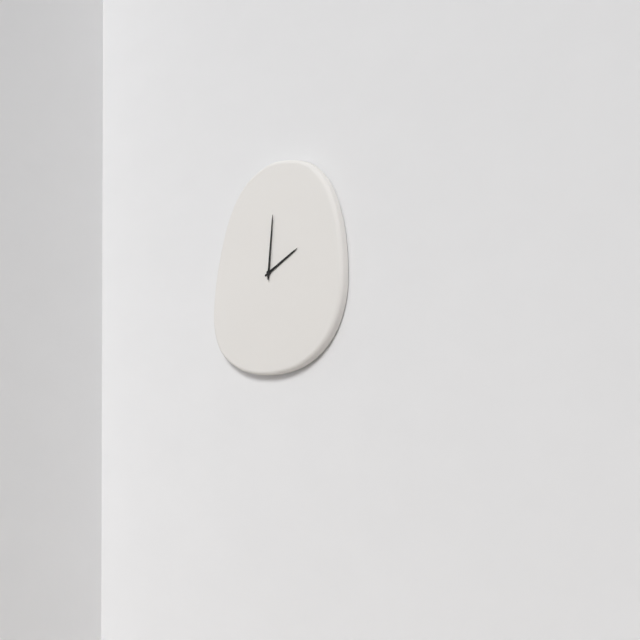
2.01
